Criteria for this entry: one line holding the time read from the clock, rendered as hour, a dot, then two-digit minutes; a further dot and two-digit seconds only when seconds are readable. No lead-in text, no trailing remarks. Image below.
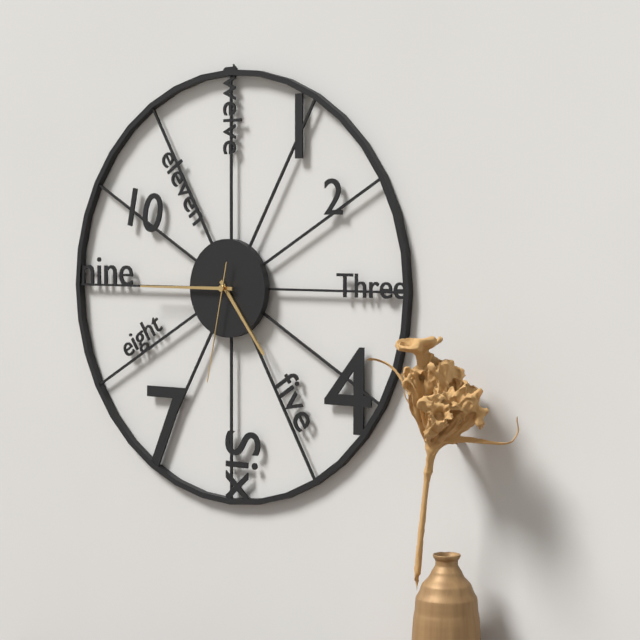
4.45.32
